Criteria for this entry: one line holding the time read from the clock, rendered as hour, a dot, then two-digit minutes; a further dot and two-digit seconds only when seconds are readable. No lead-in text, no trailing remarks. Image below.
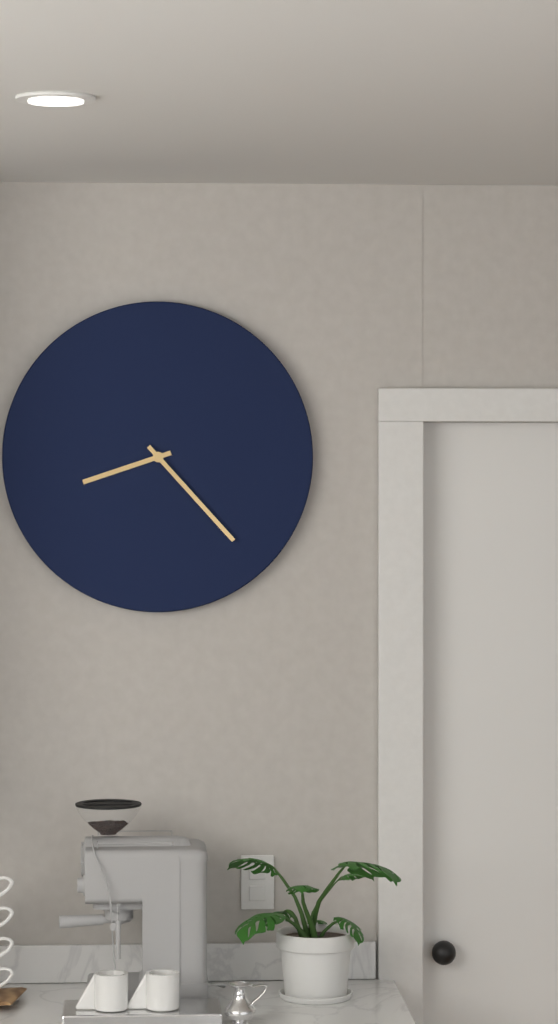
8.23
